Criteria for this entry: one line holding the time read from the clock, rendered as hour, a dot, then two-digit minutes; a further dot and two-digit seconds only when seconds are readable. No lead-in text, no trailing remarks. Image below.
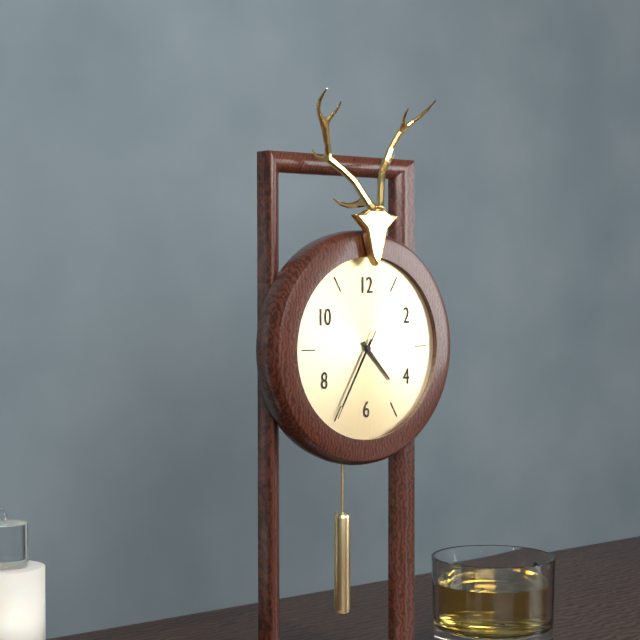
4.35.35
